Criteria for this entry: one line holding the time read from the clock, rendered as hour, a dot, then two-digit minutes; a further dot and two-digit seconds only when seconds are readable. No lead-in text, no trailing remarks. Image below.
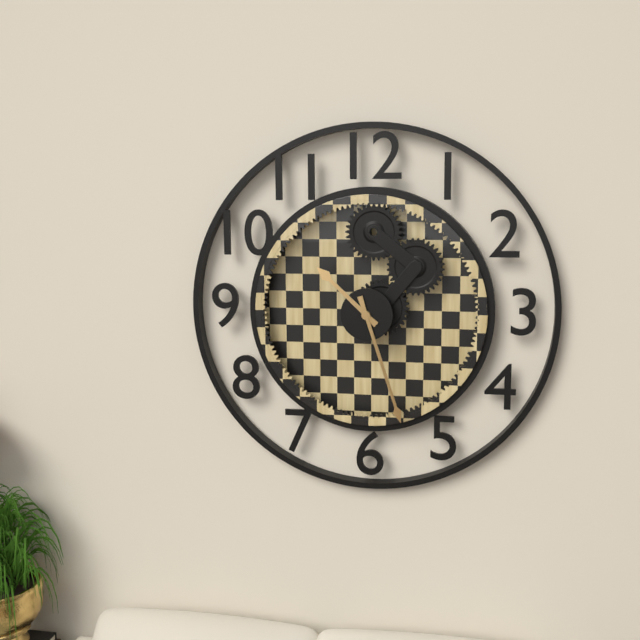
10.27
